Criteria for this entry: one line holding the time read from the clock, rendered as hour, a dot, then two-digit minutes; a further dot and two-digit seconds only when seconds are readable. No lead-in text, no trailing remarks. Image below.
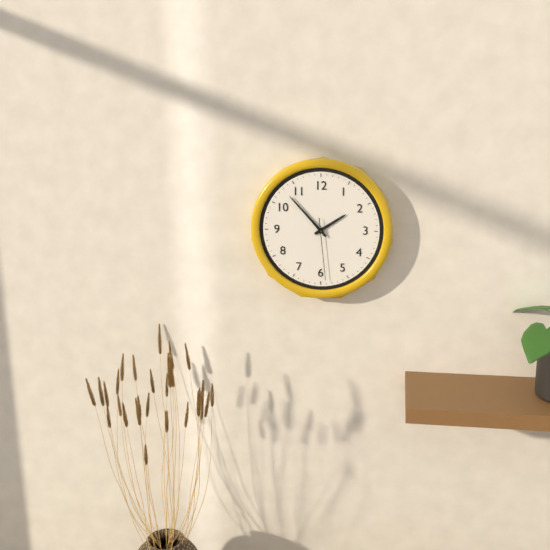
1.53.29
